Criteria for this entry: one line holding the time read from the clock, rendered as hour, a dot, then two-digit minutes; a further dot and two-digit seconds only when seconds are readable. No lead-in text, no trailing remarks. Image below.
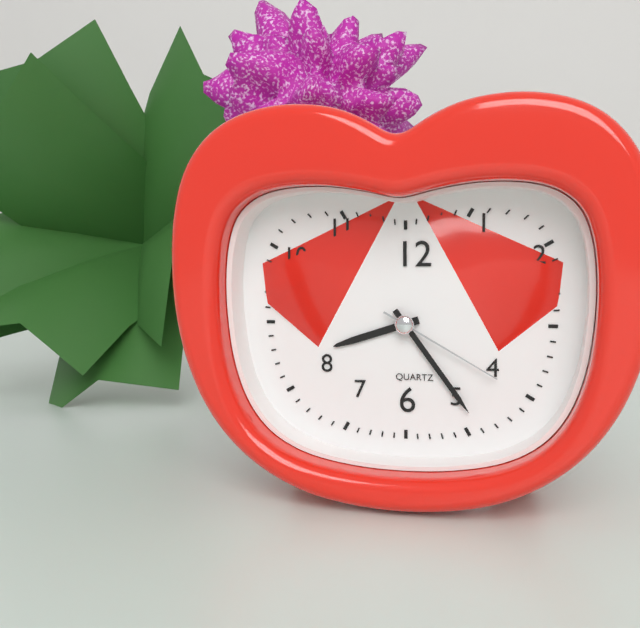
8.24.20
